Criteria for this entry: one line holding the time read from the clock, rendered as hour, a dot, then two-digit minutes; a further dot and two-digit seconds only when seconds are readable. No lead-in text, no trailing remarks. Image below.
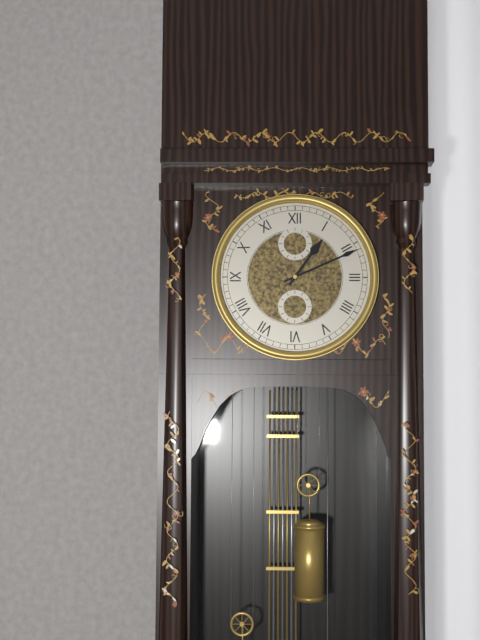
1.11
